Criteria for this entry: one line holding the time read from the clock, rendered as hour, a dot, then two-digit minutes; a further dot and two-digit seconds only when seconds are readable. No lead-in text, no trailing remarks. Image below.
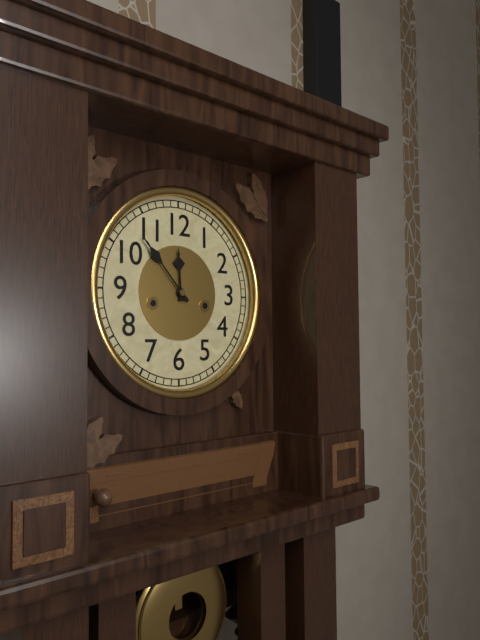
11.53
